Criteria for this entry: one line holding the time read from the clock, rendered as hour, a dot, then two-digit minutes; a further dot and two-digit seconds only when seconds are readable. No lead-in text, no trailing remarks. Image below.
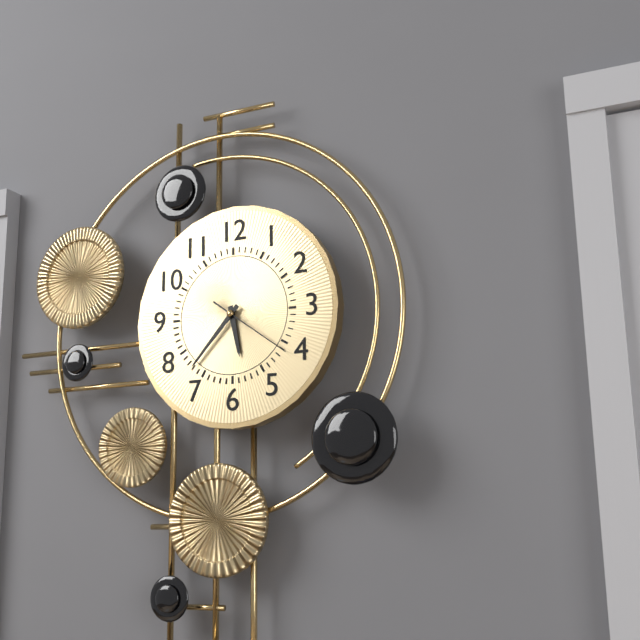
5.37.21
